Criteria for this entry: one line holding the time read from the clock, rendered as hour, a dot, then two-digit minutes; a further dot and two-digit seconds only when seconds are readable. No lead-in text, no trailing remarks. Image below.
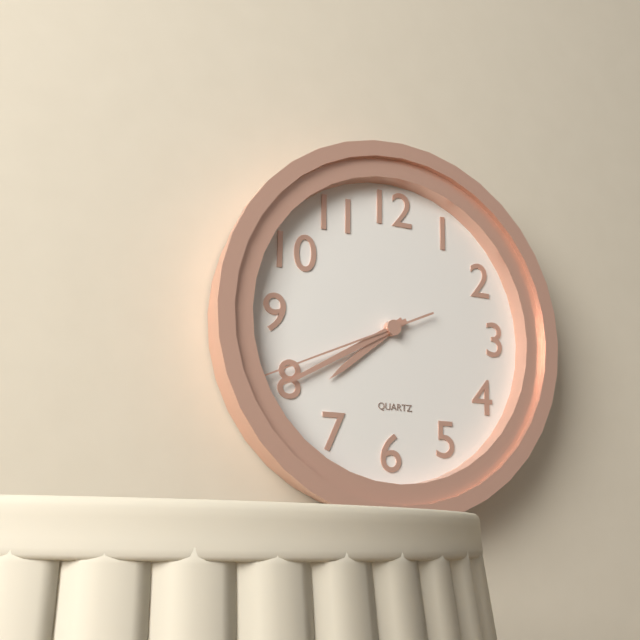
7.40.41
